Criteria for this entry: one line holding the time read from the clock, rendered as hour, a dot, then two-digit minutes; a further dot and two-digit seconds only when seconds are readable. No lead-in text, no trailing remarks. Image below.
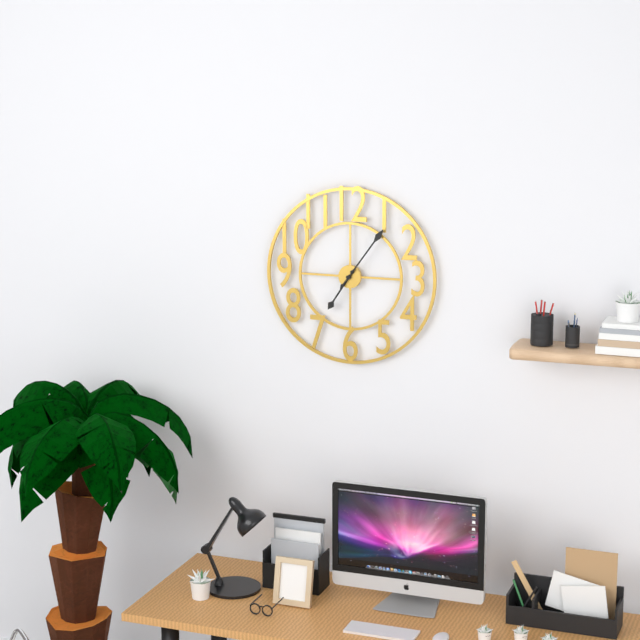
7.06
